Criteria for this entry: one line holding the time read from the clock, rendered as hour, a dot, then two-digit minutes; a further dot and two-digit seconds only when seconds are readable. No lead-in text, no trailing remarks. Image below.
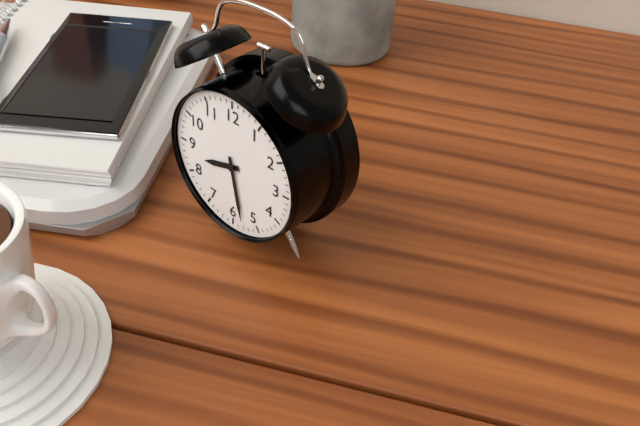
8.28
